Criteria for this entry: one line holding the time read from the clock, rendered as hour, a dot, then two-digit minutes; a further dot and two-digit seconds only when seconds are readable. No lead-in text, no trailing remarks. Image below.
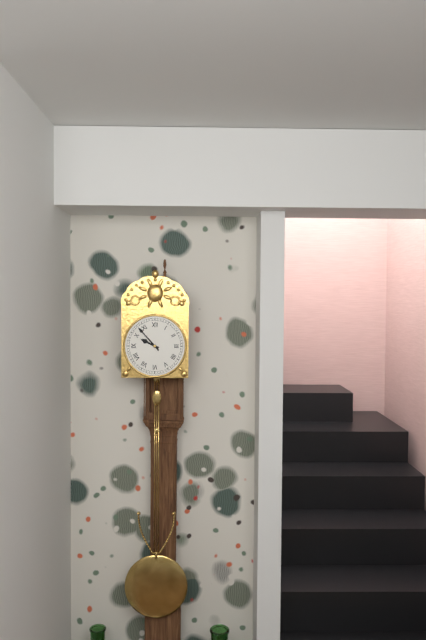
9.53
